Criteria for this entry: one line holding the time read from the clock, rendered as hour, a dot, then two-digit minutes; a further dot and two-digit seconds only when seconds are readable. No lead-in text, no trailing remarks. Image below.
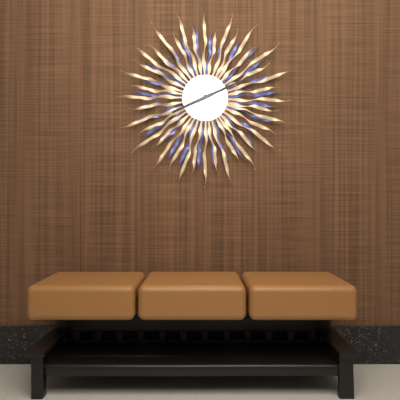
8.11
